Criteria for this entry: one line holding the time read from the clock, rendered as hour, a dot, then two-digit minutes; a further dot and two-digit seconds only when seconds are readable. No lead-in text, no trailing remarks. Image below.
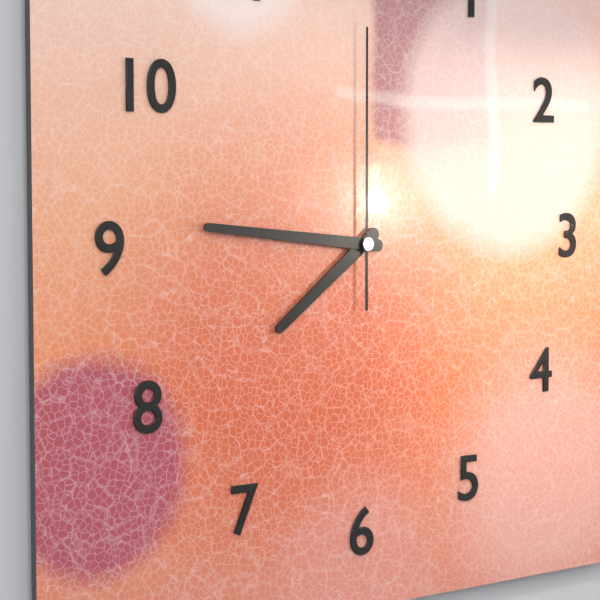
7.46.00
